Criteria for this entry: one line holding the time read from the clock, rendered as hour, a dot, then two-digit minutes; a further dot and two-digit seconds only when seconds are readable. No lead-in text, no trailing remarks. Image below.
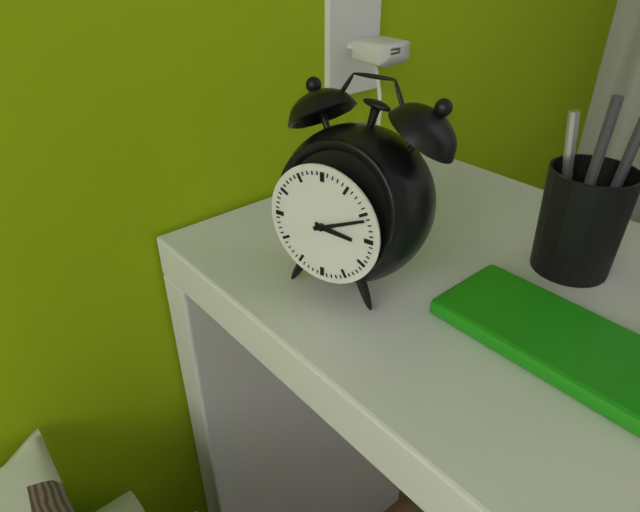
3.11
